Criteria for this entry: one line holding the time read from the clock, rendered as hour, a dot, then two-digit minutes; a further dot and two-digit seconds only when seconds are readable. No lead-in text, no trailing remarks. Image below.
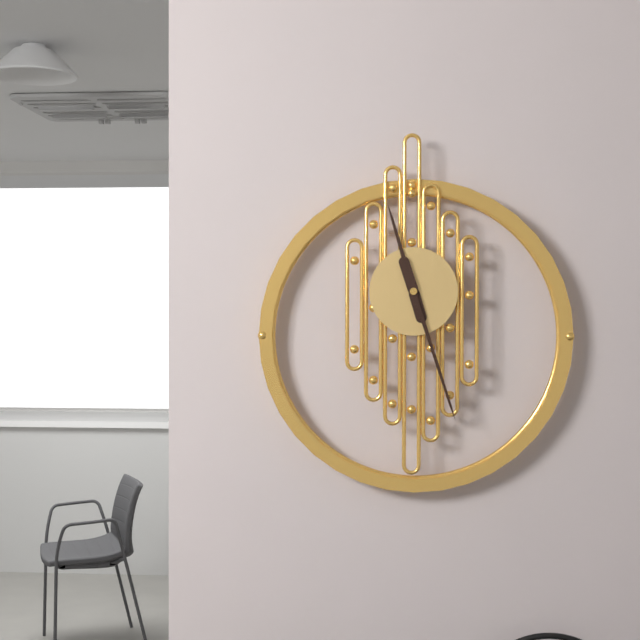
11.27
